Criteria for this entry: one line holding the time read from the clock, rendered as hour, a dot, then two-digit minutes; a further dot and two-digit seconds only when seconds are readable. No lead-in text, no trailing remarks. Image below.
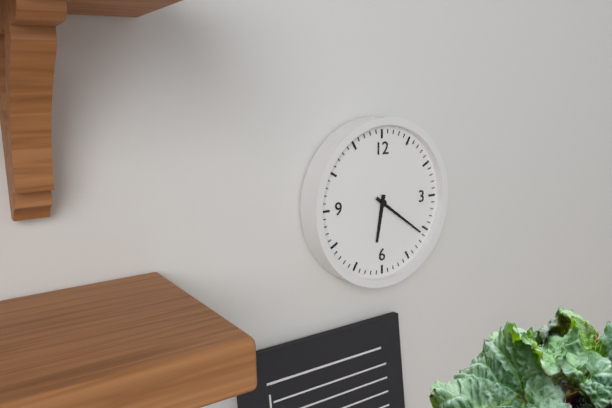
6.21
